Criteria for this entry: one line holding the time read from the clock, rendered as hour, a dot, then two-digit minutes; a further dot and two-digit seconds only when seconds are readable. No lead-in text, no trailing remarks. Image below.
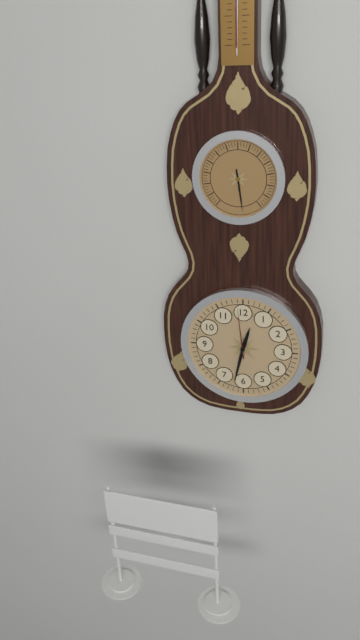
12.32.59
